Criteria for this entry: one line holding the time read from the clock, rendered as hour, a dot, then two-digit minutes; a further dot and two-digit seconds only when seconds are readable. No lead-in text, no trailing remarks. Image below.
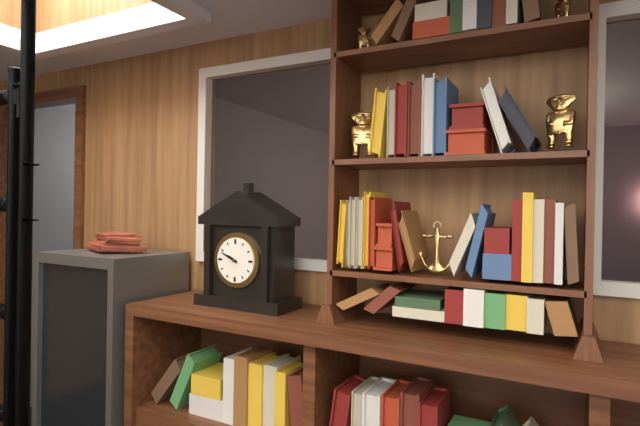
9.49
